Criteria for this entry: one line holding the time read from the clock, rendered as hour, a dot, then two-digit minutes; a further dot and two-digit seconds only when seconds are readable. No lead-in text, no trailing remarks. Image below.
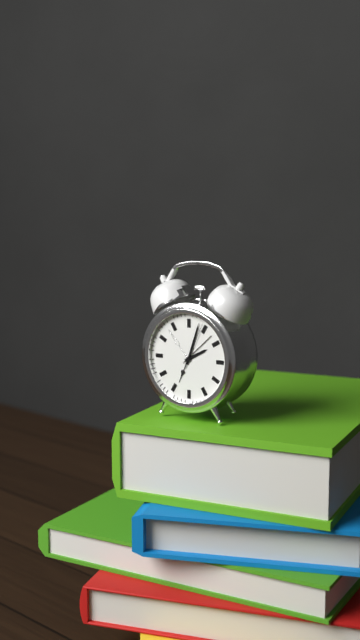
2.03.04
